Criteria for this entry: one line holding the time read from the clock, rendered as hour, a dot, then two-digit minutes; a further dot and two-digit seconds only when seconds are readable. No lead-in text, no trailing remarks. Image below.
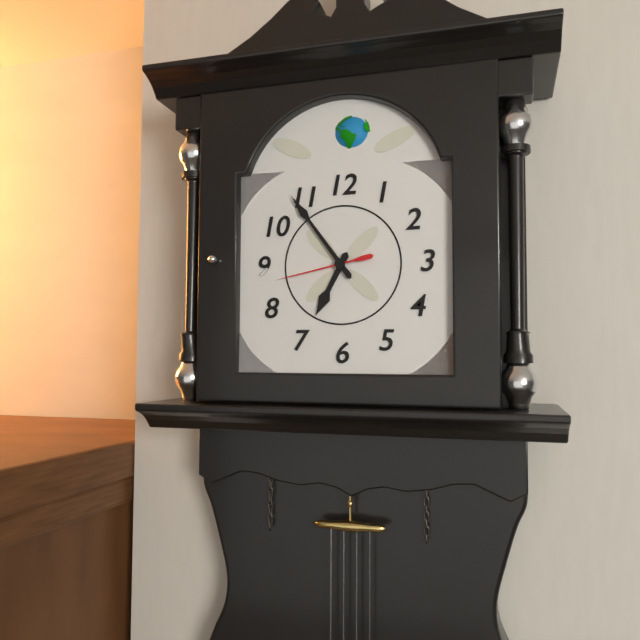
6.54.43
